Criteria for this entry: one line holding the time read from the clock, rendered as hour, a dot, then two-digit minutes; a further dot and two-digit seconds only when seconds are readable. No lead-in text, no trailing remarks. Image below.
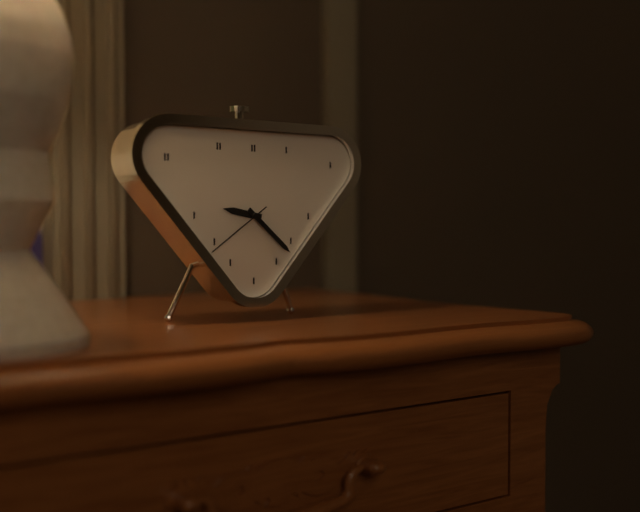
9.22.39
